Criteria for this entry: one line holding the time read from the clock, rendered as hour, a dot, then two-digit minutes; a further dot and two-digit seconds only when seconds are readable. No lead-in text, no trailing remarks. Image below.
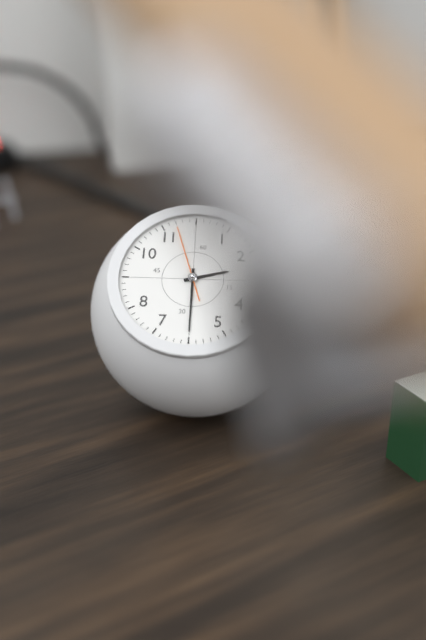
2.30.57
